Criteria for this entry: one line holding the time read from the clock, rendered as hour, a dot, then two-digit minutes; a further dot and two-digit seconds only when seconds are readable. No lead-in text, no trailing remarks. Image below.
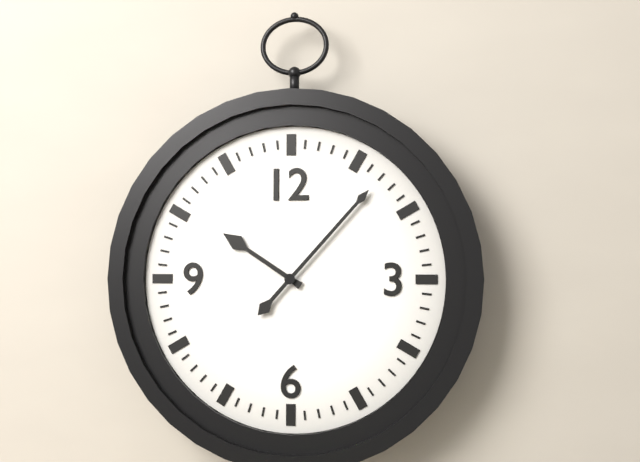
10.07
